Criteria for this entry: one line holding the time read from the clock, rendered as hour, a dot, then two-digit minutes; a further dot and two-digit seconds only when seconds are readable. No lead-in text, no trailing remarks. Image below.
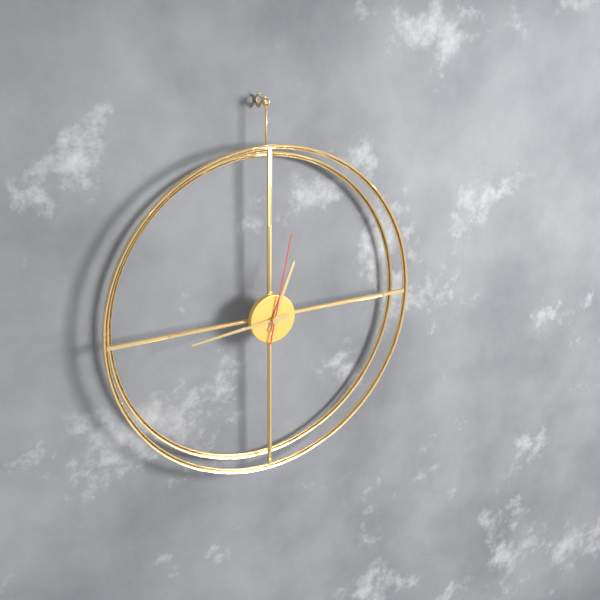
12.44.02
